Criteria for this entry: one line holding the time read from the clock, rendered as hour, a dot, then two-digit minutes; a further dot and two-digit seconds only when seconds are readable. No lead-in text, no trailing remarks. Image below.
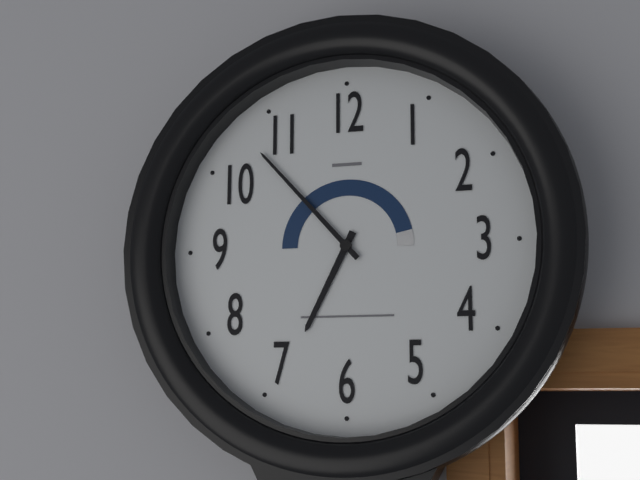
6.53
